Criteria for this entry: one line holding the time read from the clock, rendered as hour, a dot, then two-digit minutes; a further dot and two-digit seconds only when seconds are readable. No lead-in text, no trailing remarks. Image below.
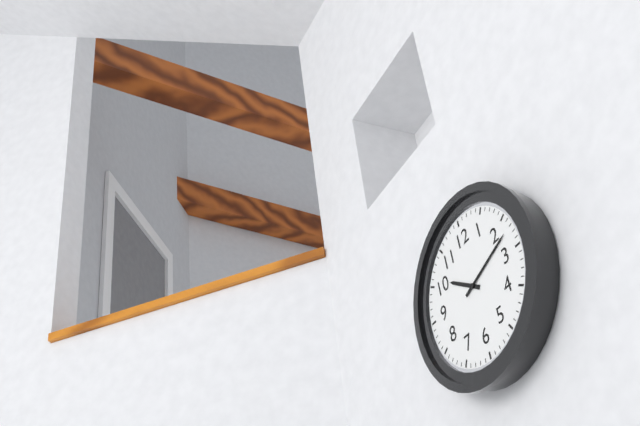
10.12
